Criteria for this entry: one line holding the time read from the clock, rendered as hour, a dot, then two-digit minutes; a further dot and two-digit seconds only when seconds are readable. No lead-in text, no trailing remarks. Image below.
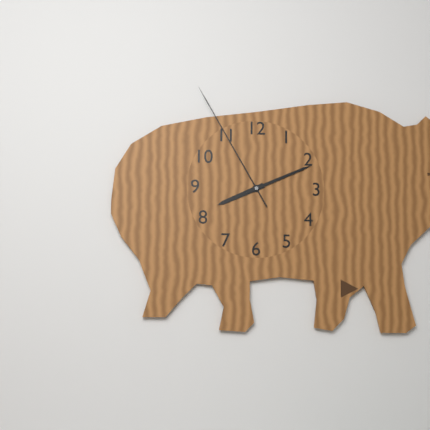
8.11.55
